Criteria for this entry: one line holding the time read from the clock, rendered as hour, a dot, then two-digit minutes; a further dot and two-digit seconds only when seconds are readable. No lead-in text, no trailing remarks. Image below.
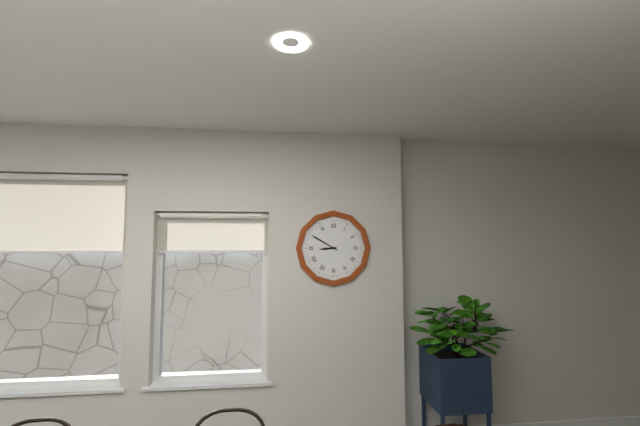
8.50
